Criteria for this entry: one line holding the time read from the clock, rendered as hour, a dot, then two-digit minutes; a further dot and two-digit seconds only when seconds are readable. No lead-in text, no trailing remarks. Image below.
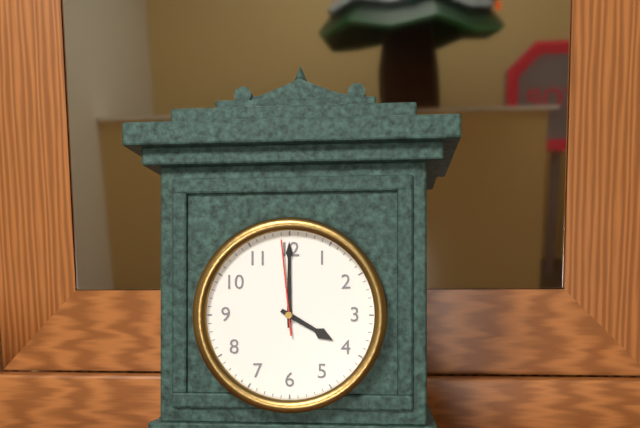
4.00.59
